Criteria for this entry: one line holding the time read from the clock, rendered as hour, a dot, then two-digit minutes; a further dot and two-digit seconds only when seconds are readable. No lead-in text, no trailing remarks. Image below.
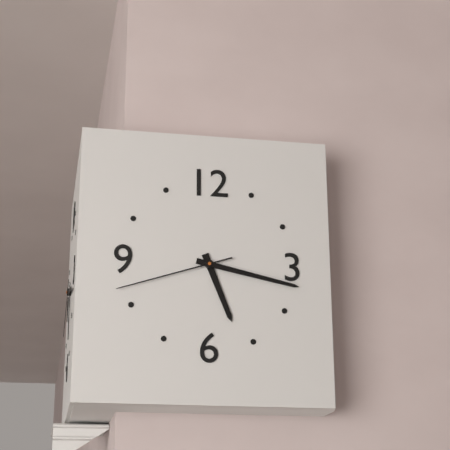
5.17.42
